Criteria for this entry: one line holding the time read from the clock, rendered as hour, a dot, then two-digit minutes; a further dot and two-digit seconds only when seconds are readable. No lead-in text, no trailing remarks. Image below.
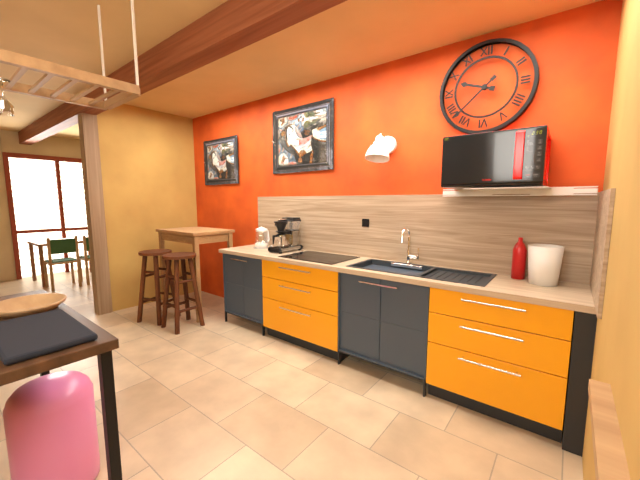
9.38
